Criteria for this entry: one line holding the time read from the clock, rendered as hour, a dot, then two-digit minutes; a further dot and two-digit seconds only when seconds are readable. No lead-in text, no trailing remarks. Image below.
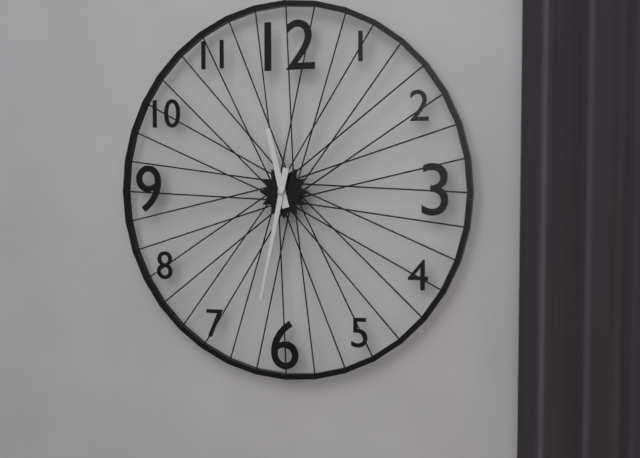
11.32
